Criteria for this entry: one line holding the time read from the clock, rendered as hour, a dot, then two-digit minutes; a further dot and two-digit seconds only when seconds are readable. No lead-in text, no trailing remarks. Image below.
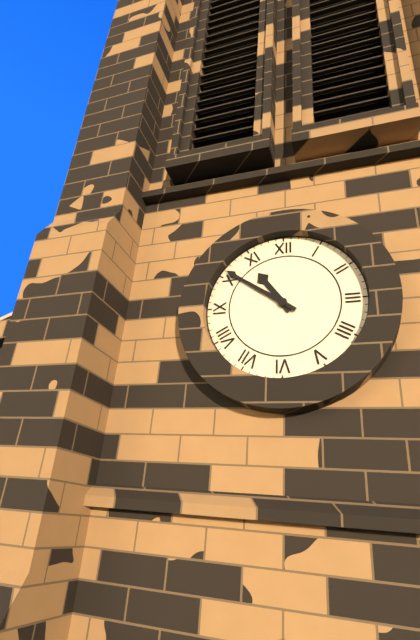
10.51
